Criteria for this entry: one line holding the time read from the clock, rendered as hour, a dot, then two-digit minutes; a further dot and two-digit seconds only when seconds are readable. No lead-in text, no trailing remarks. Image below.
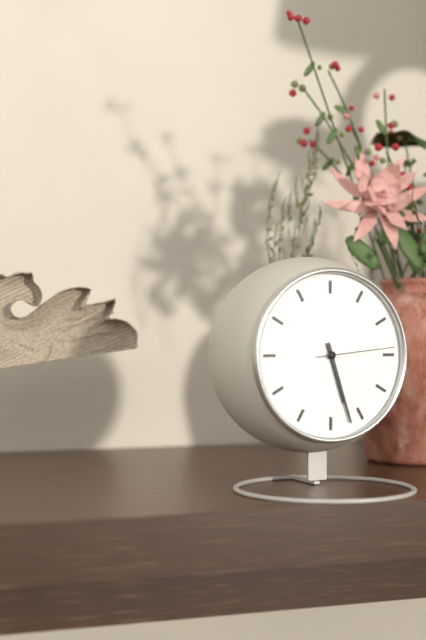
5.27.14
